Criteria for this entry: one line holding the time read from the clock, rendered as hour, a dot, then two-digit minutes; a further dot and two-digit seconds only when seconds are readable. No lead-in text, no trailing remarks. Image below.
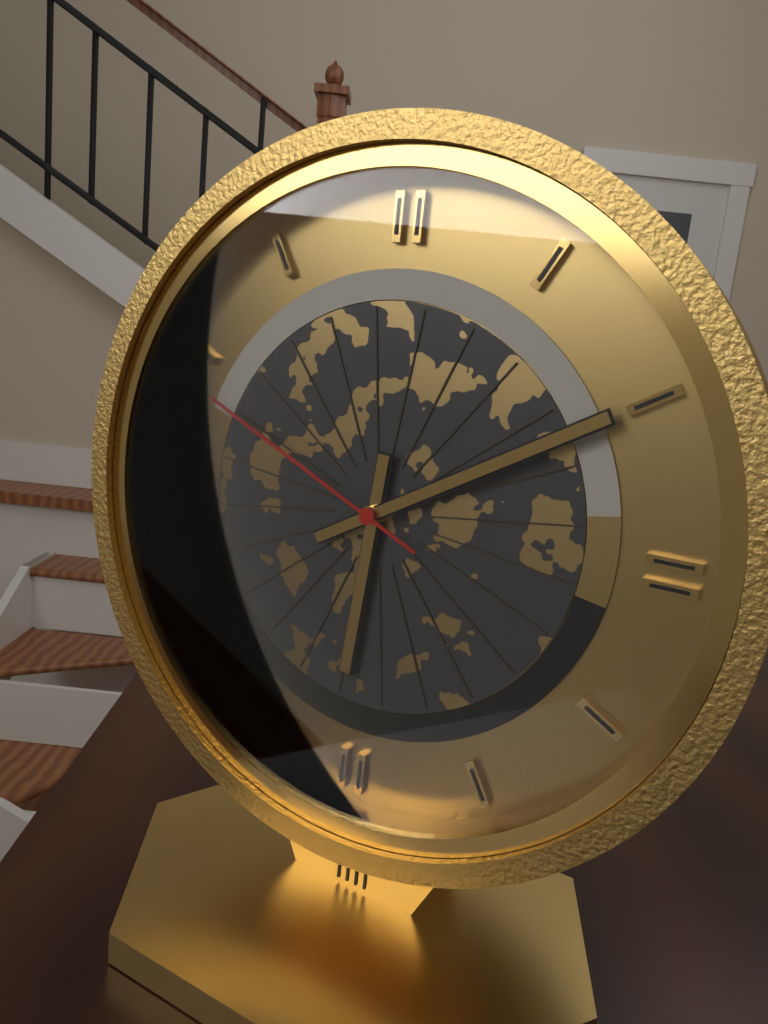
6.10.49
